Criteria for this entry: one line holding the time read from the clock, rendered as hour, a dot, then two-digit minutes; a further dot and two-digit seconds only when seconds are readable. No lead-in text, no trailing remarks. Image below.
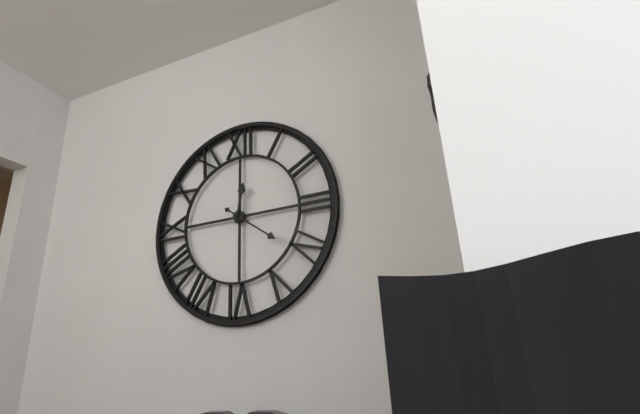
12.21
